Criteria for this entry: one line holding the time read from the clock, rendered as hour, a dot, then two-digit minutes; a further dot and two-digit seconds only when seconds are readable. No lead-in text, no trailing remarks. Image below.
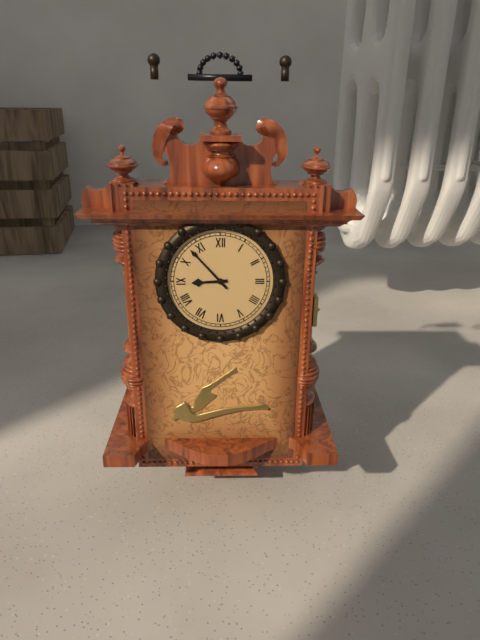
8.53
